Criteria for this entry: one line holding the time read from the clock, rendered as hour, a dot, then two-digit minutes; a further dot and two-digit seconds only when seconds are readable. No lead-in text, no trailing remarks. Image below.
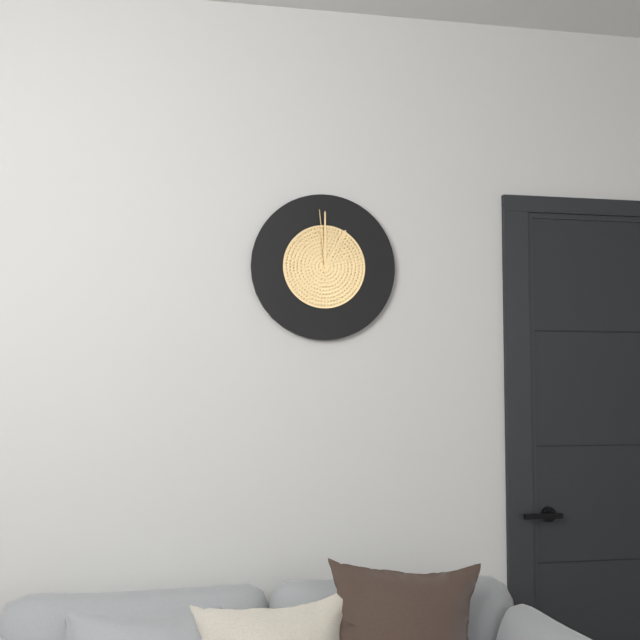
1.00.59
